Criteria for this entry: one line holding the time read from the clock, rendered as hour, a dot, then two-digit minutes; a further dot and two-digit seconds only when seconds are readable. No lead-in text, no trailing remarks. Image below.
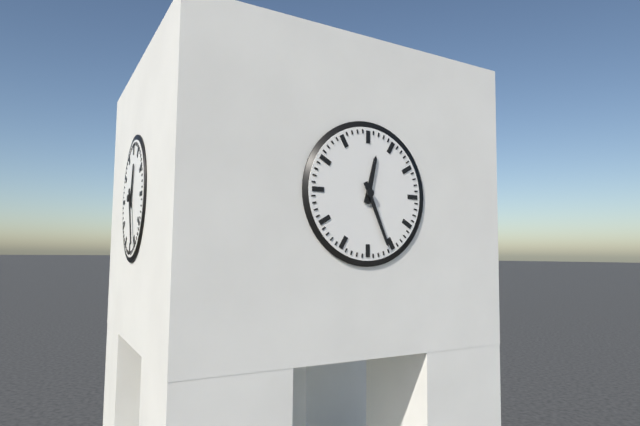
12.26
